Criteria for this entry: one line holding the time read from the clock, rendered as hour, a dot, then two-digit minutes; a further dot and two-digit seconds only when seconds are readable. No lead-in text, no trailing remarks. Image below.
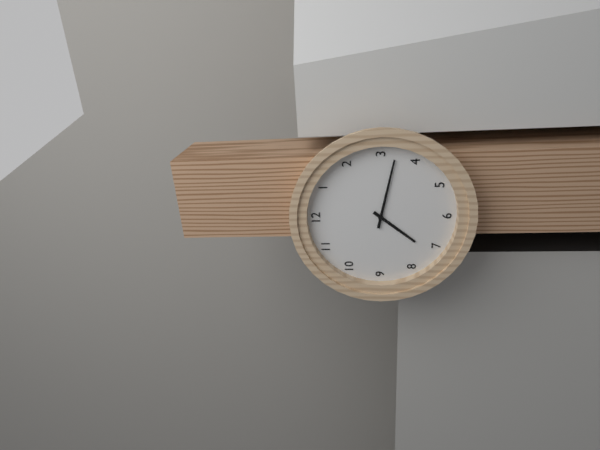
7.17
